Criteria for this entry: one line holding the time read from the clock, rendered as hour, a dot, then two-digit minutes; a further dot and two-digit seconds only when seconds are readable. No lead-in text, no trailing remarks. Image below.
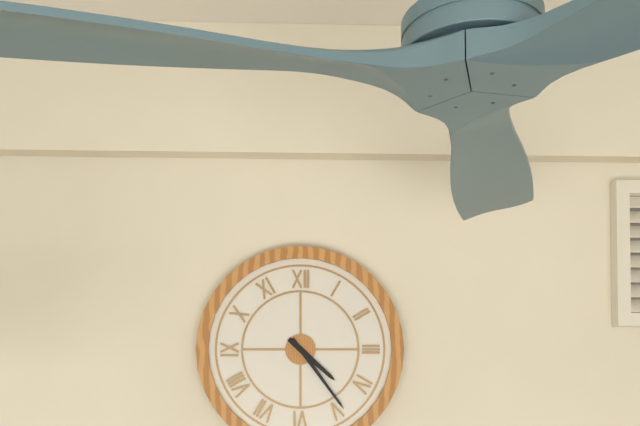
4.24
